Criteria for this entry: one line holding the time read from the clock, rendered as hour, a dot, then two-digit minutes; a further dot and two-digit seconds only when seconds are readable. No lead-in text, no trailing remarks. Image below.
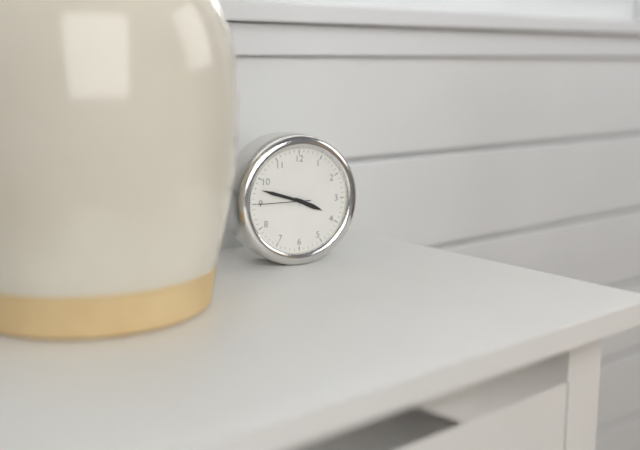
3.48.45
